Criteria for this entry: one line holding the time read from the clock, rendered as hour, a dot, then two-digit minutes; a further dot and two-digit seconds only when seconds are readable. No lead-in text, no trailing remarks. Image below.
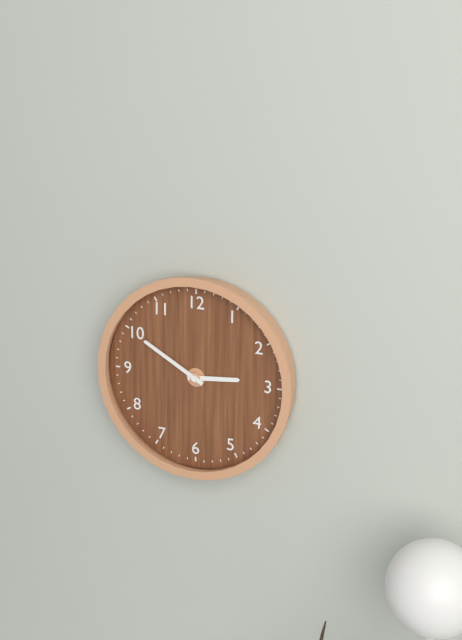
2.50
